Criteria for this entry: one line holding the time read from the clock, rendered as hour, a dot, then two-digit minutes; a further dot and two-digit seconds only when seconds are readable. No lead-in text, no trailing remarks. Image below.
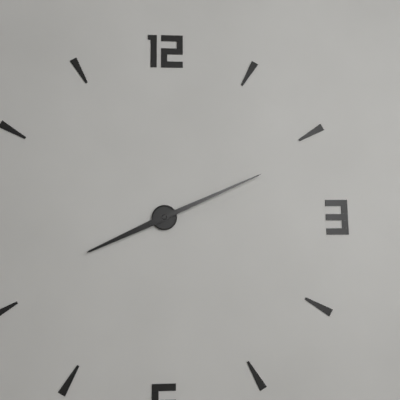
8.11
